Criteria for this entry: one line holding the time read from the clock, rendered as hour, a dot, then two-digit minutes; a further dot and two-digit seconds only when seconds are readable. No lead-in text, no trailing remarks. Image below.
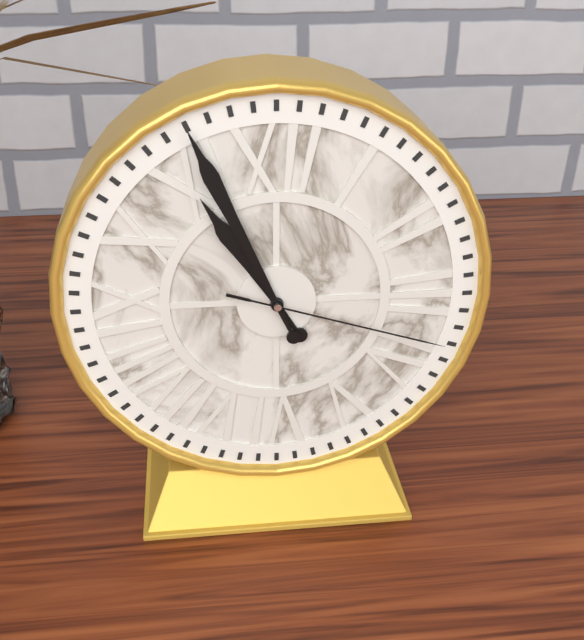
10.56.18
